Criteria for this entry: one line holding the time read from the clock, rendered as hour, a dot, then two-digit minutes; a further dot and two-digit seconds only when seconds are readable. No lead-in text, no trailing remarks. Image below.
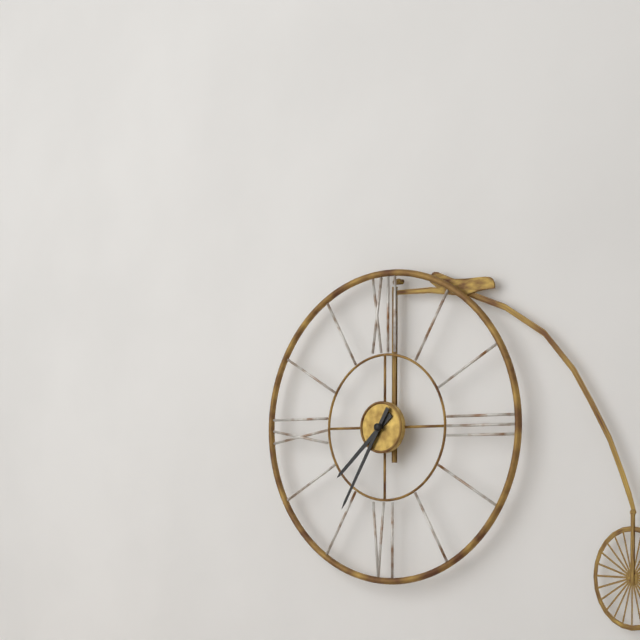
7.35
